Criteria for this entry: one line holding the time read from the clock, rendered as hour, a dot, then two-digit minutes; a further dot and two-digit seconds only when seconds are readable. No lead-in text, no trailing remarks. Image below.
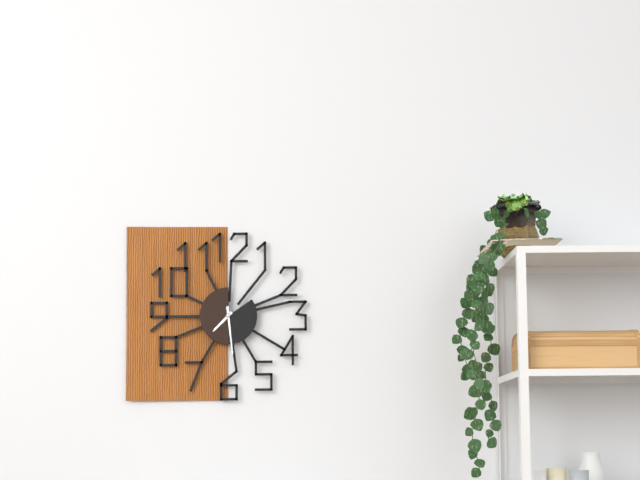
7.29
